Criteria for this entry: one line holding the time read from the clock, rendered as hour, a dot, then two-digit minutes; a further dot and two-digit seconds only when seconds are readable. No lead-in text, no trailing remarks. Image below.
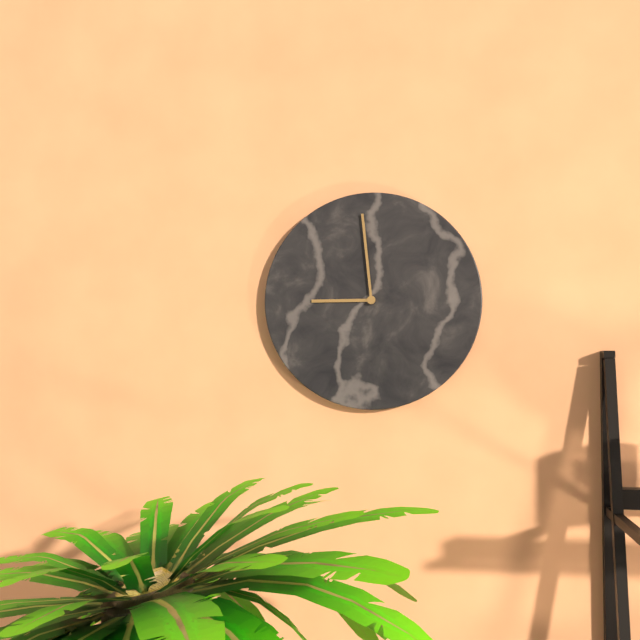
8.59
